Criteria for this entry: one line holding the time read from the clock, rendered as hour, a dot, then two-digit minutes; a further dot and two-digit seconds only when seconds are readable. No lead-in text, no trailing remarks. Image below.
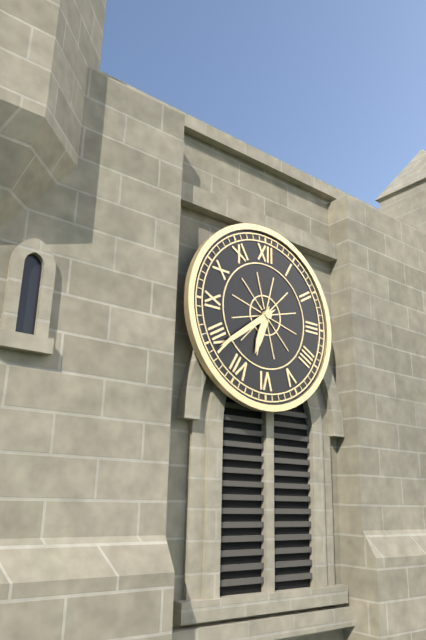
6.39
